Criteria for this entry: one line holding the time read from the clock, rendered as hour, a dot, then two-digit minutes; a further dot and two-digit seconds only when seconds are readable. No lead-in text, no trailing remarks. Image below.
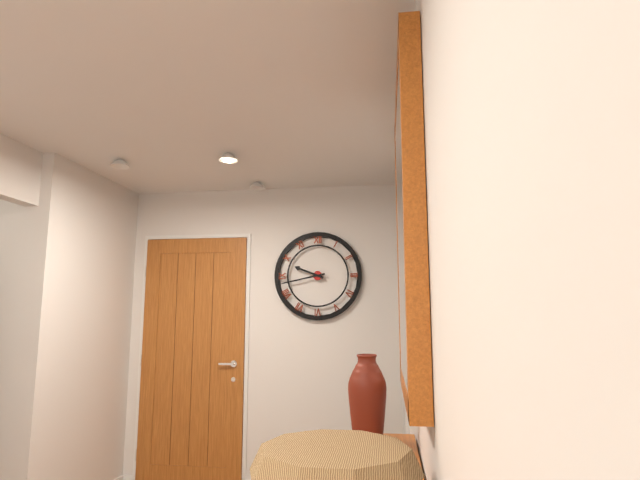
9.43
